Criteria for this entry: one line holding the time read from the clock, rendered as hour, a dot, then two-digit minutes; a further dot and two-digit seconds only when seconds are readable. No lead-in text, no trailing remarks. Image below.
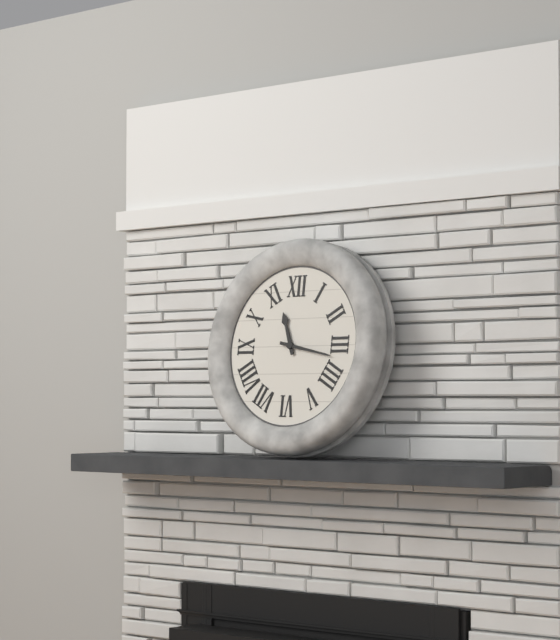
11.17
